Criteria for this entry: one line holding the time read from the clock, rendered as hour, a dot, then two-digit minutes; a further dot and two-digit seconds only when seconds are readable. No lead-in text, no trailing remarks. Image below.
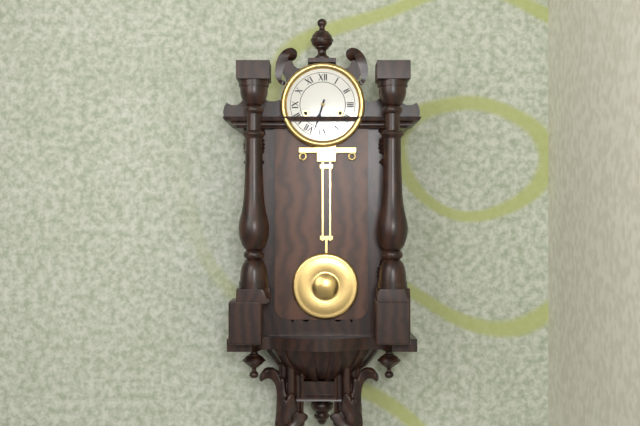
6.33
